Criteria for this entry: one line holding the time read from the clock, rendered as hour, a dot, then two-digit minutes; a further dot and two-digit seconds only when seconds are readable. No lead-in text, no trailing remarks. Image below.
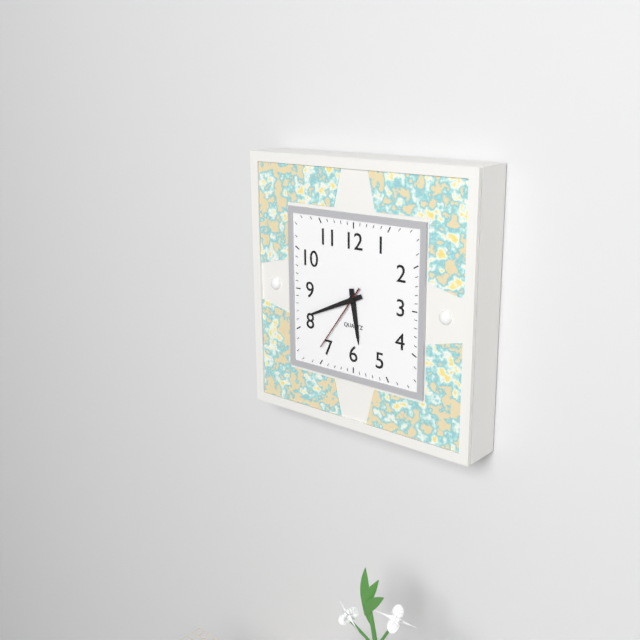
5.41.36
